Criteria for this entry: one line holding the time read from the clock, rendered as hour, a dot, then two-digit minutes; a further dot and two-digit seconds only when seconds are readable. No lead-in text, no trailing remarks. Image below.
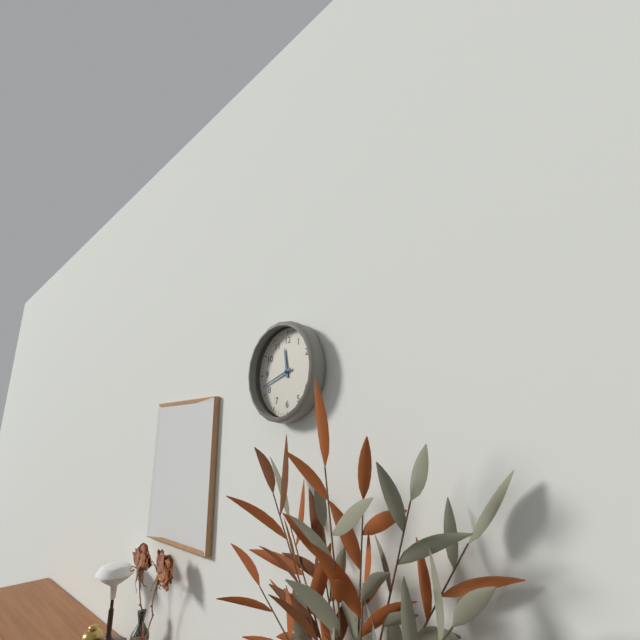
11.42
